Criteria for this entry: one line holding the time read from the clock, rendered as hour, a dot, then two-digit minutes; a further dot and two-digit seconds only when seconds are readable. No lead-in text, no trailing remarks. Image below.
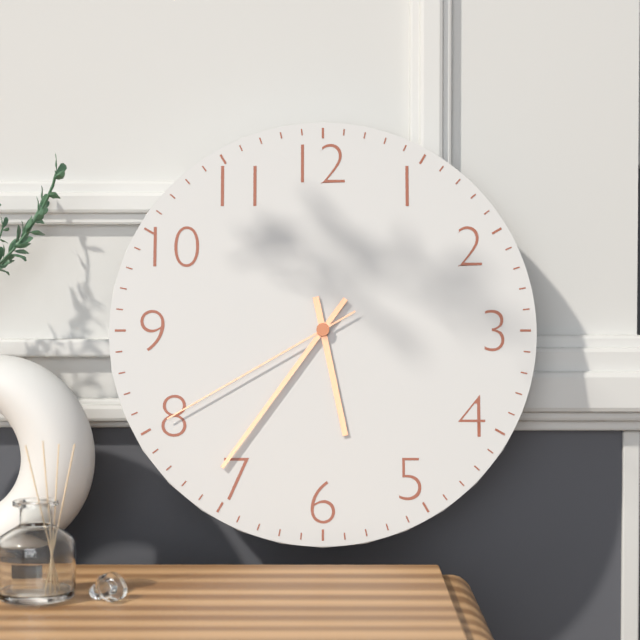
5.36.40
